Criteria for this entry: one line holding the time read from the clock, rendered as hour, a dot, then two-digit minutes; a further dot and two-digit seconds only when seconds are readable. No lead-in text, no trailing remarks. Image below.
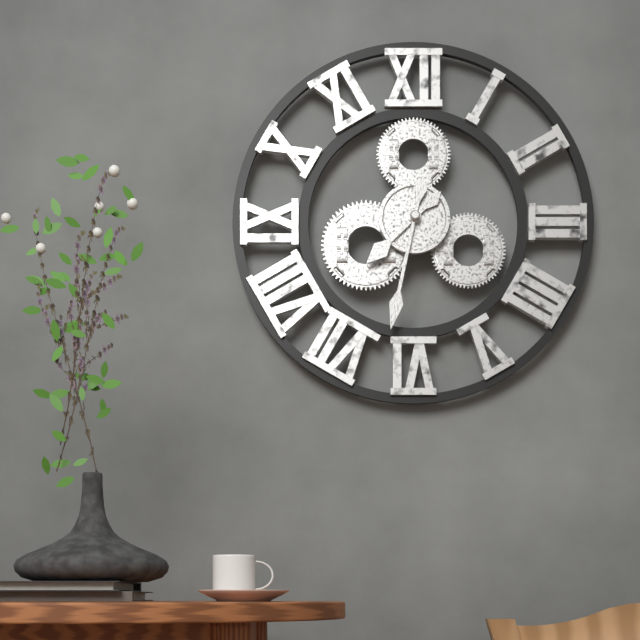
7.32
